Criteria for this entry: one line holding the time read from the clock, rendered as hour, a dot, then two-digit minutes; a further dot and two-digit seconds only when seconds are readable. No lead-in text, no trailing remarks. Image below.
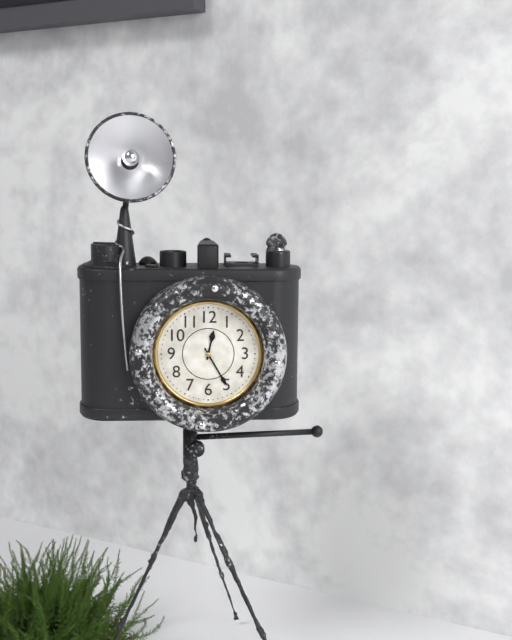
12.25
